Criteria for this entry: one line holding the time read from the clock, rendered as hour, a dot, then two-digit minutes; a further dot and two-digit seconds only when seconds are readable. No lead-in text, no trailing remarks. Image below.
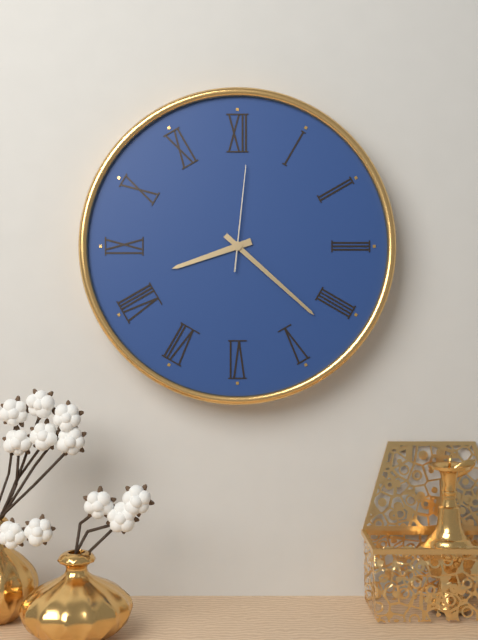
8.22.01
